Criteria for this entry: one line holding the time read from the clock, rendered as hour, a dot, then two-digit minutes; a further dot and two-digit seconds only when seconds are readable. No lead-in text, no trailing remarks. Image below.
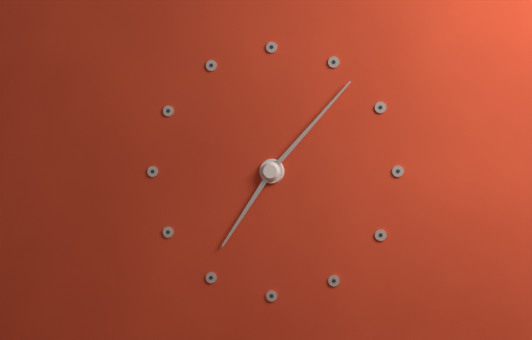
7.07
